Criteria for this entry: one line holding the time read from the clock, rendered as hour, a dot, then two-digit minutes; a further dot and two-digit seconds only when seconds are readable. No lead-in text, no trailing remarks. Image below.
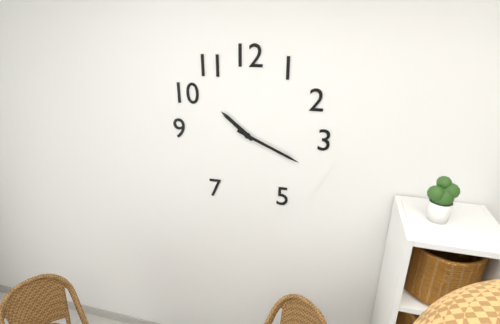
10.19
